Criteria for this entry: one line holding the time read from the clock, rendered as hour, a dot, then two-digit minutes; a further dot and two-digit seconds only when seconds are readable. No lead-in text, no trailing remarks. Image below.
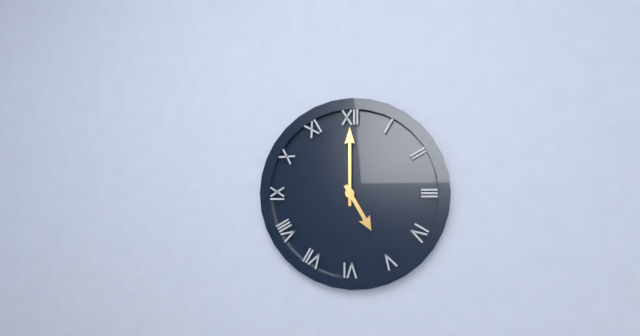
5.00
